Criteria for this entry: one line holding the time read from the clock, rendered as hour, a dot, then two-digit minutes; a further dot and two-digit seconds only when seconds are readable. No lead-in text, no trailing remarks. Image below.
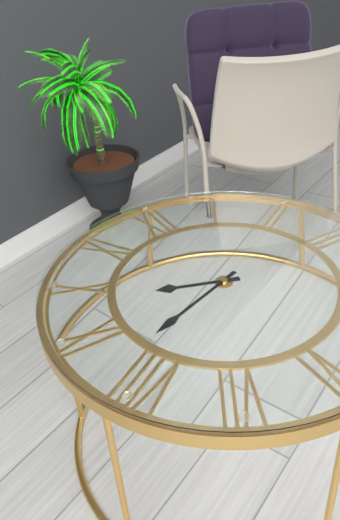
9.42
